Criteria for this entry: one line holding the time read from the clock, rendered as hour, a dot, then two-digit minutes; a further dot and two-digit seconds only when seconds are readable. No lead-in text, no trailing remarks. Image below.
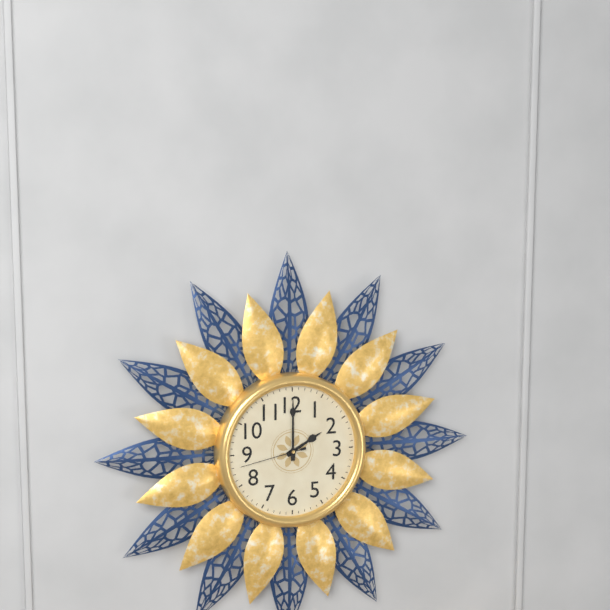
2.00.43
